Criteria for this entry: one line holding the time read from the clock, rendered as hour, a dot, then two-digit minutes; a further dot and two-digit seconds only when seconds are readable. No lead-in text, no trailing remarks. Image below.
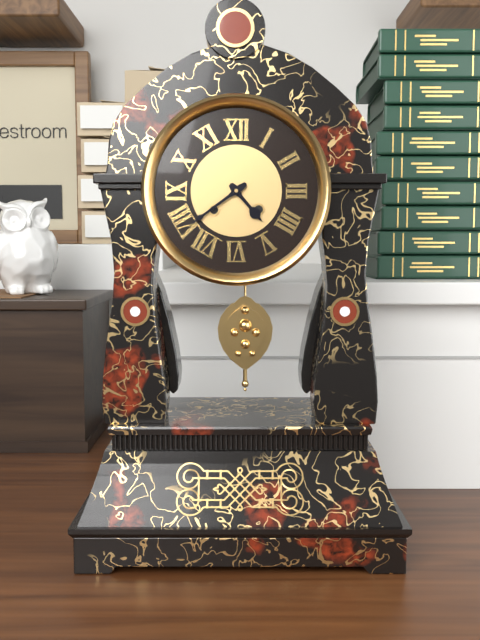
4.39
